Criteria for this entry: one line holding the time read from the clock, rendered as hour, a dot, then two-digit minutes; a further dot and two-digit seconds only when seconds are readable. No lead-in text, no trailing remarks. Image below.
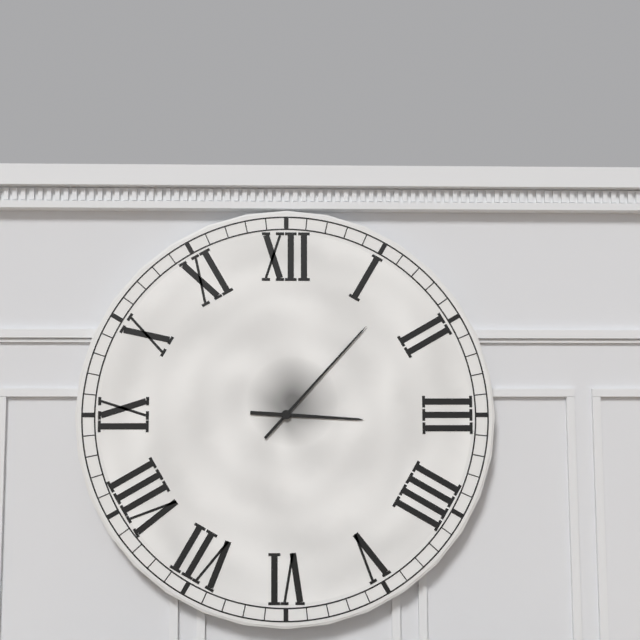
3.07
